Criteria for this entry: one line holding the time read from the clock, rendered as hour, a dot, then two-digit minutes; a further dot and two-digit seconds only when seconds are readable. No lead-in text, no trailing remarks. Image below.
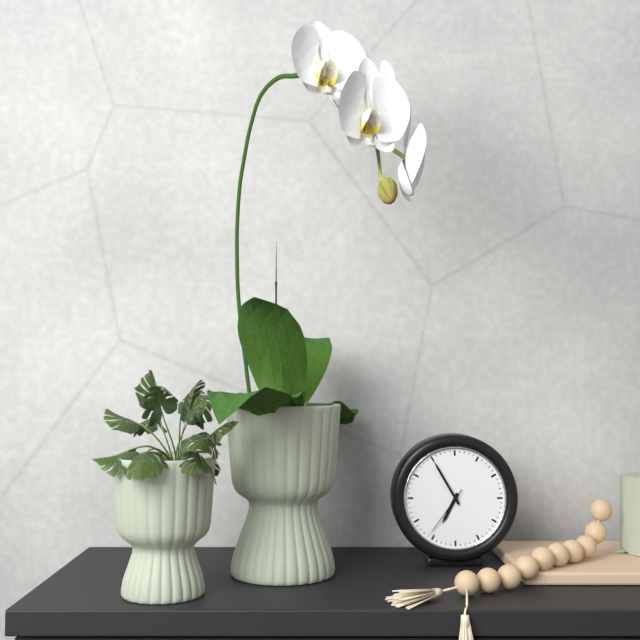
6.55.36
